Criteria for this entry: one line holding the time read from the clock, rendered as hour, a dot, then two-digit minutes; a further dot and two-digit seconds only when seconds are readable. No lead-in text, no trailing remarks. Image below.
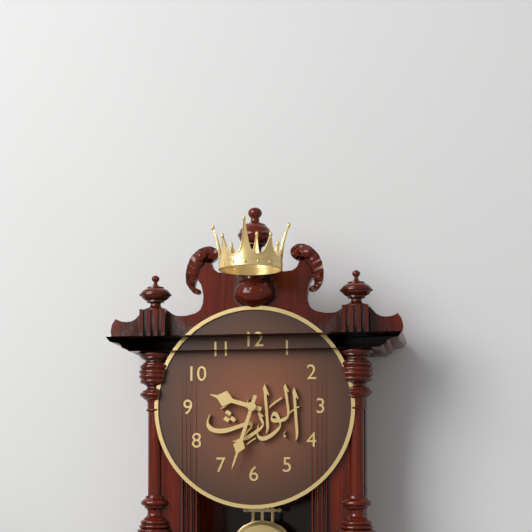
9.33
